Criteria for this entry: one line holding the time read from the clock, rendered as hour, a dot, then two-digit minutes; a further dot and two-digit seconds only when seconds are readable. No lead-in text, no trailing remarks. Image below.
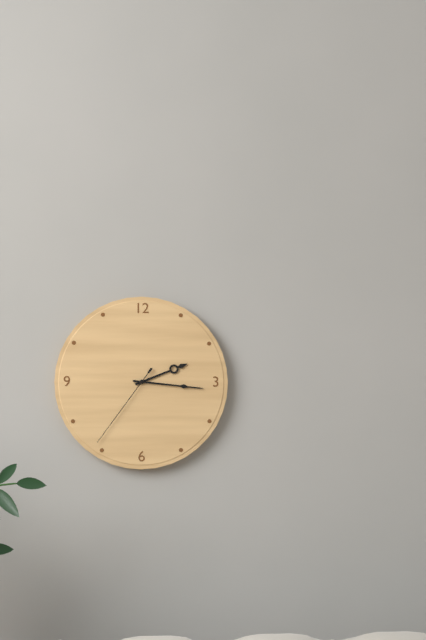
2.16.36
